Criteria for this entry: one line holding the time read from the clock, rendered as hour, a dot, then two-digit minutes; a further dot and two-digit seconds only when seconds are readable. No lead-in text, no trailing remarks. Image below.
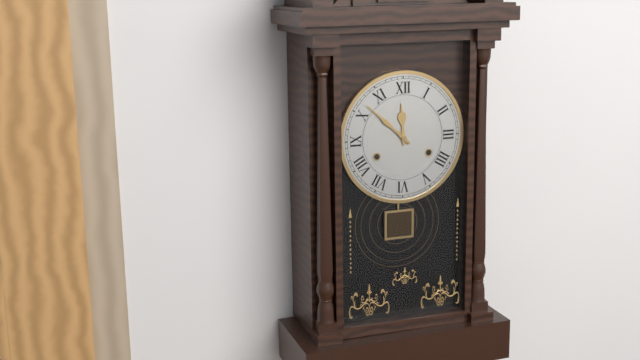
11.52
